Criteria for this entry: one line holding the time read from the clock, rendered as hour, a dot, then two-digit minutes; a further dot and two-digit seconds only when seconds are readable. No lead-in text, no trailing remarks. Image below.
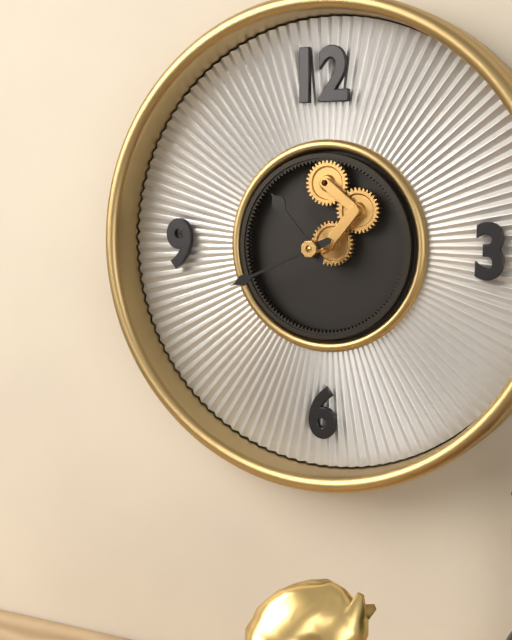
10.41
